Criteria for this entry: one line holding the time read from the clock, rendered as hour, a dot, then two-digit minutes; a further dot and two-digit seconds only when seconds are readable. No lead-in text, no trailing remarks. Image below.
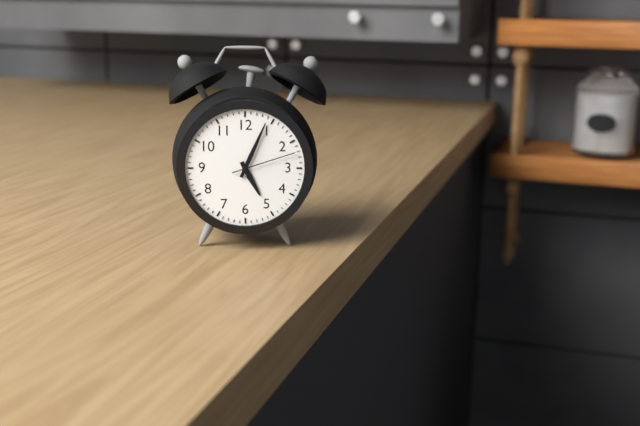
5.04.12
